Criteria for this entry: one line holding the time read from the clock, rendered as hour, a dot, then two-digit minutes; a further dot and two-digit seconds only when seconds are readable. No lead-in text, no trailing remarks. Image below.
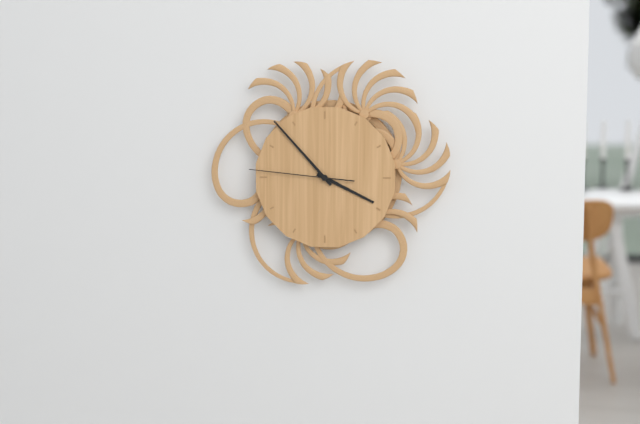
3.53.46
